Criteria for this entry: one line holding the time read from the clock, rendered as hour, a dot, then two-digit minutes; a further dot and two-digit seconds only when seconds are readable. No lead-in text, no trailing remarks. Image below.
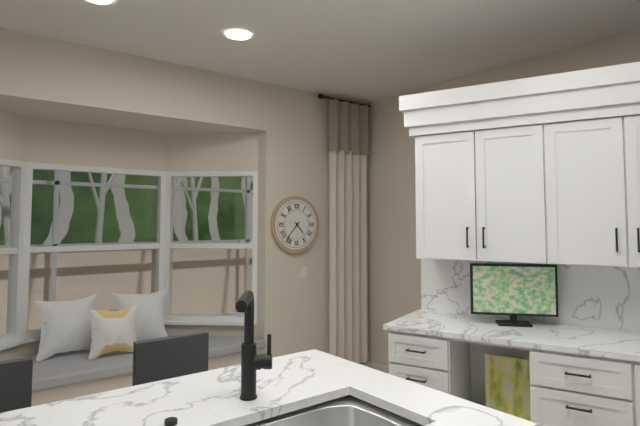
4.37
